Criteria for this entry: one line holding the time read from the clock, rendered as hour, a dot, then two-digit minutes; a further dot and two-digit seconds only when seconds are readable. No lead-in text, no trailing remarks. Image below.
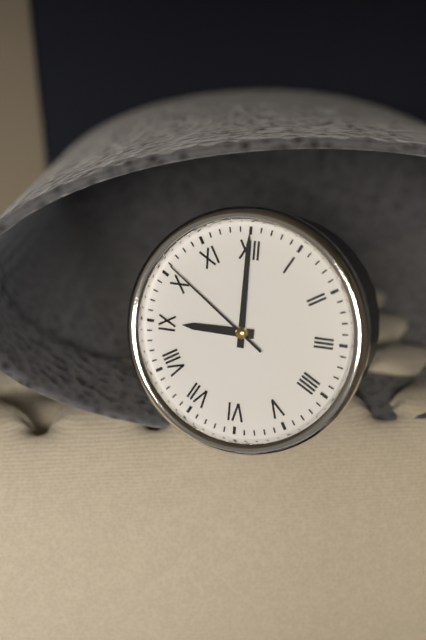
9.00.51
